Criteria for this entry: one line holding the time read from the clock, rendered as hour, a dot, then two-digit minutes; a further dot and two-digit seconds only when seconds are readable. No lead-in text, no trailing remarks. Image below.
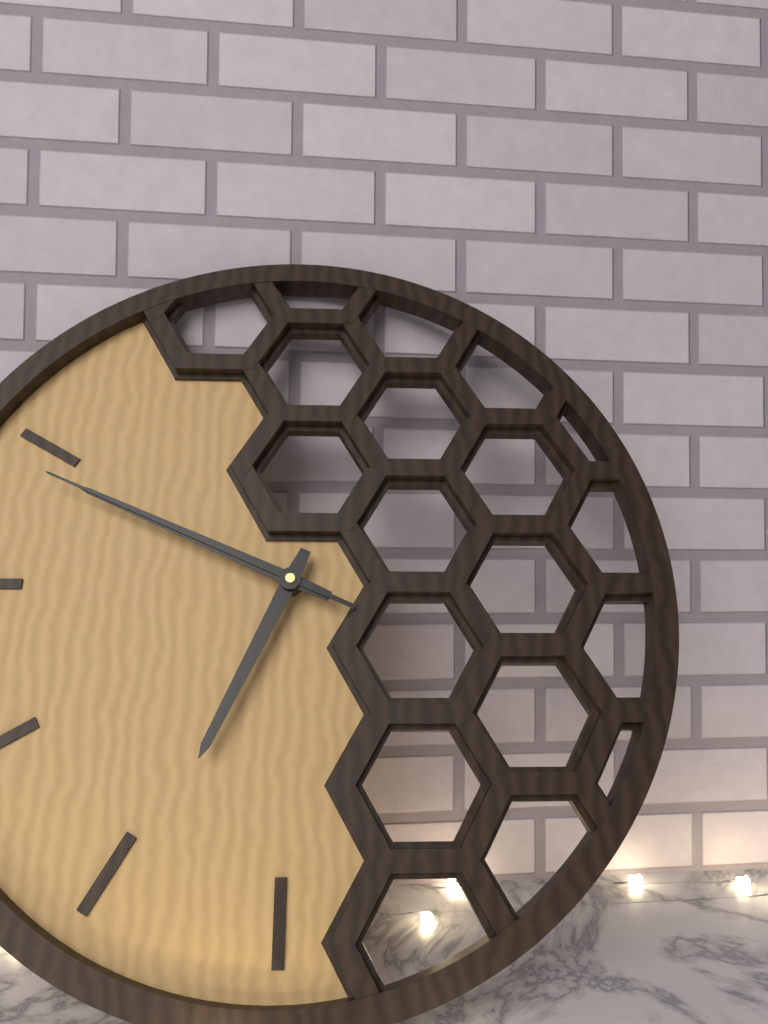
6.49.49
